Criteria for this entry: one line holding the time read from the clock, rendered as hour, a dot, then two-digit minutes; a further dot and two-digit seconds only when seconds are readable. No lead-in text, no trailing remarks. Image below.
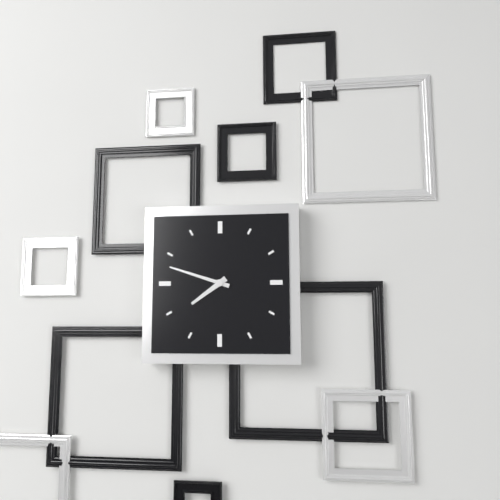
7.48
